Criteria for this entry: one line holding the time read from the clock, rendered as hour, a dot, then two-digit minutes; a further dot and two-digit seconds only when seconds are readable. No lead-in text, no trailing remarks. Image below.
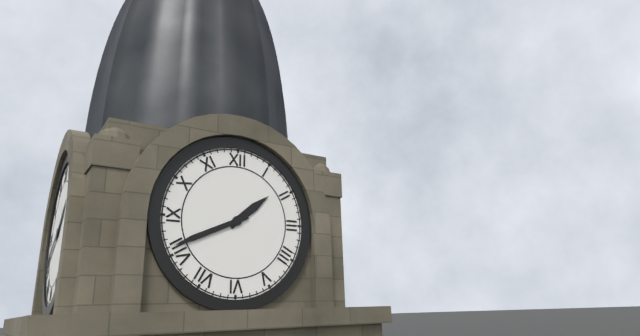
1.41
